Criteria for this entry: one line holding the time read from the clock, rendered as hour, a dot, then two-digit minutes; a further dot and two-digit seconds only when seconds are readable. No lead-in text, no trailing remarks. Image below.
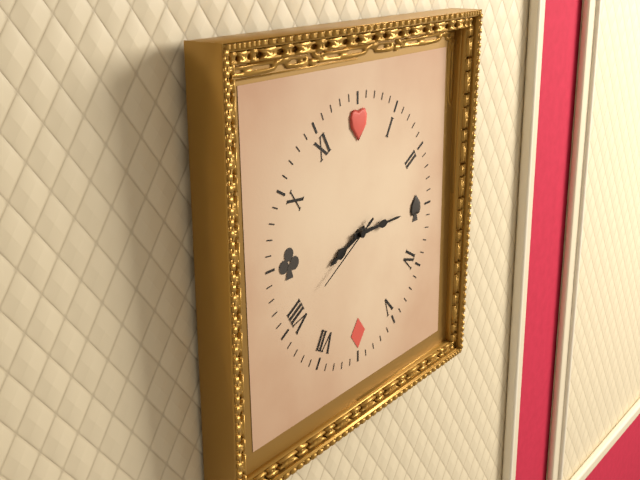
8.15.40
